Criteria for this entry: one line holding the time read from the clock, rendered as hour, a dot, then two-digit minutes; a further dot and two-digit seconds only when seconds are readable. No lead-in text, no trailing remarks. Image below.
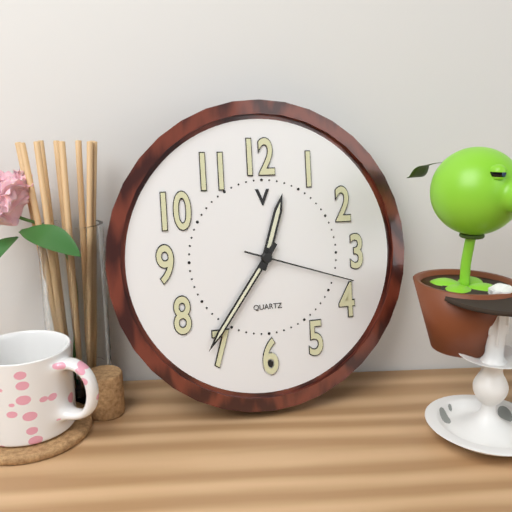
12.36.18
